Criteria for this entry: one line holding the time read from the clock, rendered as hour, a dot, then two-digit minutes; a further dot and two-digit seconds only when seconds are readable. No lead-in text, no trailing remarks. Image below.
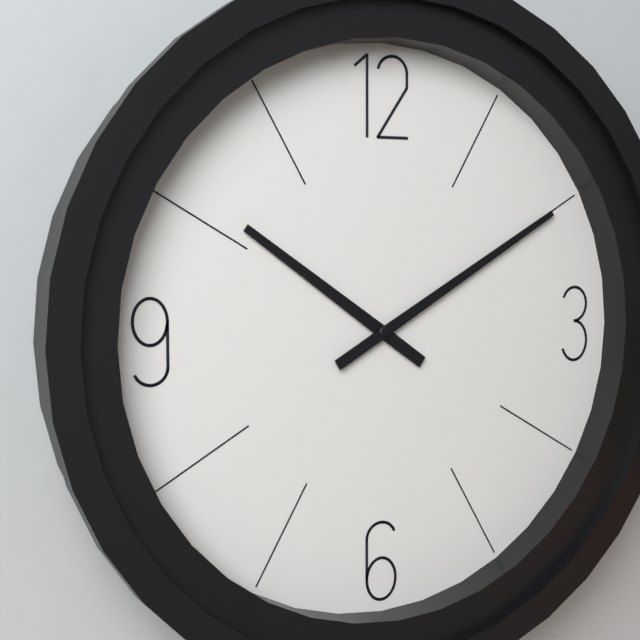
10.10
